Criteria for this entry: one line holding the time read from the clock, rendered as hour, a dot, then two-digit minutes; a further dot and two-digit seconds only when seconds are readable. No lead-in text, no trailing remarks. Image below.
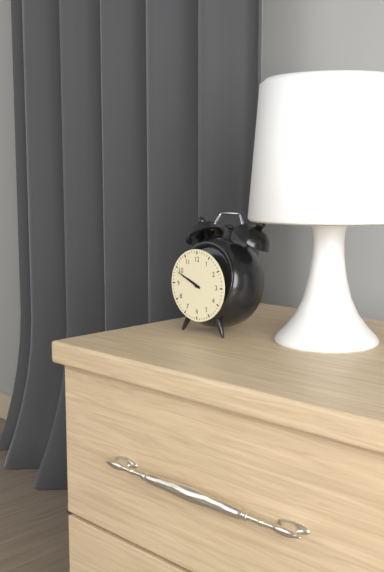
9.49
